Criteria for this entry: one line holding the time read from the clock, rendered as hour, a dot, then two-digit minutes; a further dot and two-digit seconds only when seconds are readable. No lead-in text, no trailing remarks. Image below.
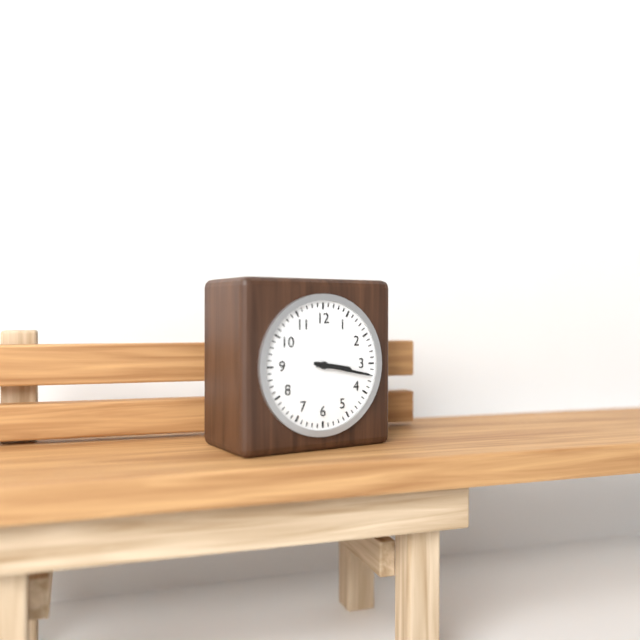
3.17
